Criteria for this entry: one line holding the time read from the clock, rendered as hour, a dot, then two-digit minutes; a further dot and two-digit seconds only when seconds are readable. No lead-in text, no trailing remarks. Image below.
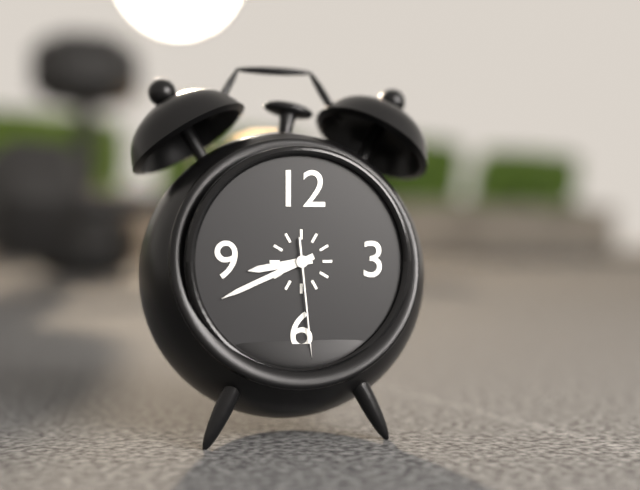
8.41.29
